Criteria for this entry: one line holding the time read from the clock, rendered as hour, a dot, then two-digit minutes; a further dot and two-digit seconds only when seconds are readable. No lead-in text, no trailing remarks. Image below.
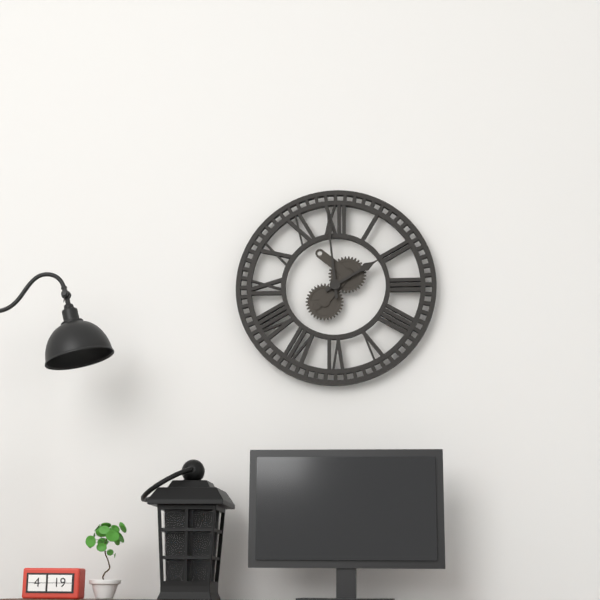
1.59
